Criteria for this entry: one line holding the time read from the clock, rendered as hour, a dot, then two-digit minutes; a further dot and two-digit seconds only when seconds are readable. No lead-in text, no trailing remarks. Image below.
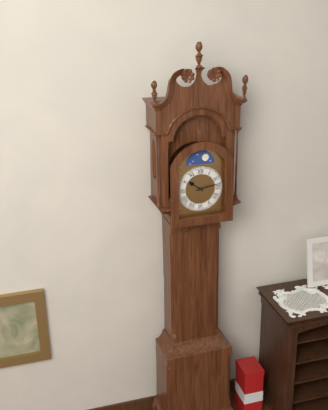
10.13
